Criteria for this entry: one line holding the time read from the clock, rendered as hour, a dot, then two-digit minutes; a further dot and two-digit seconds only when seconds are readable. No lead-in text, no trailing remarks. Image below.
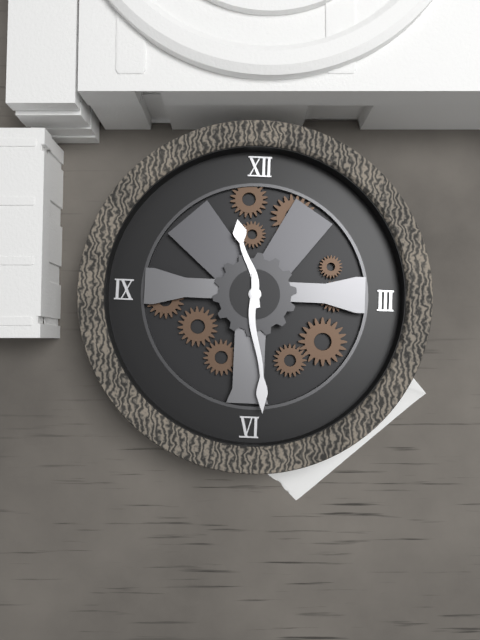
11.29
